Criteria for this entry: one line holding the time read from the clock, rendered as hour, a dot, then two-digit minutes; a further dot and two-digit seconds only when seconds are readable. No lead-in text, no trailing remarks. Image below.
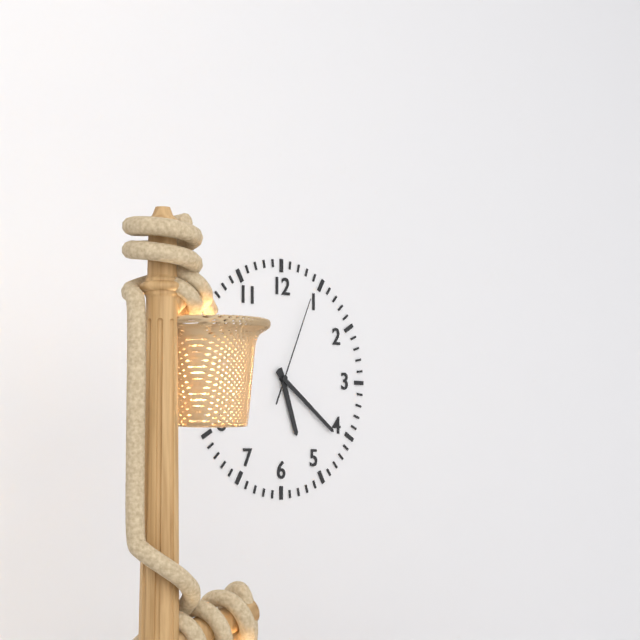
5.21.04
